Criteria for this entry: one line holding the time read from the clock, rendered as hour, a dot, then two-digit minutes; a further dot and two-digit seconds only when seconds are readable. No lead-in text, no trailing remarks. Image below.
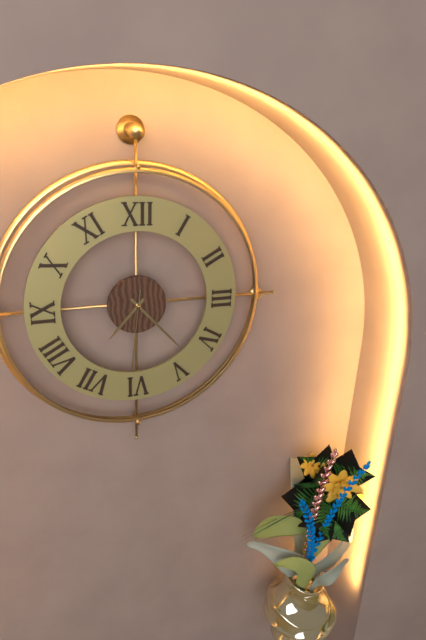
7.23.31
